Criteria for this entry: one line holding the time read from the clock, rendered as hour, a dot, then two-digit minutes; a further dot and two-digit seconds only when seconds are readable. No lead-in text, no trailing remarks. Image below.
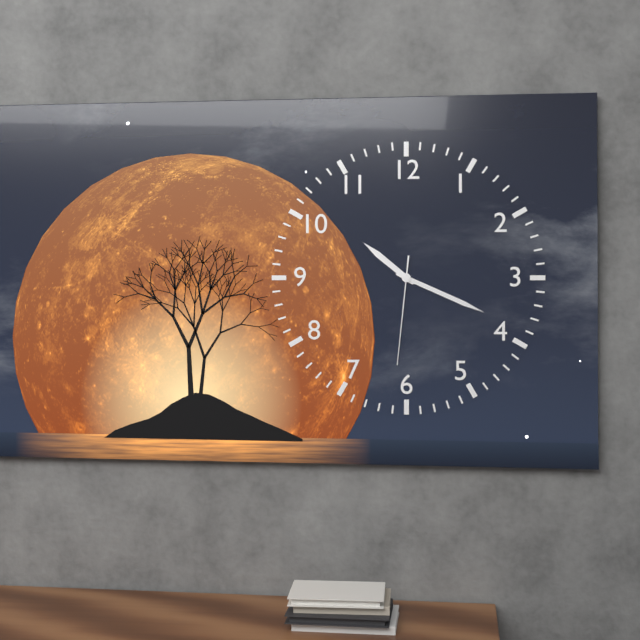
10.19.31
